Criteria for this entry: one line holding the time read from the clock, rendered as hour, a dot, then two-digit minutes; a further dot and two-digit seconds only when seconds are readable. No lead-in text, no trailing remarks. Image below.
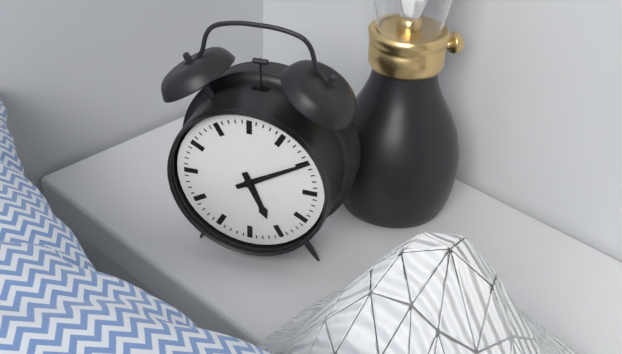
5.10
